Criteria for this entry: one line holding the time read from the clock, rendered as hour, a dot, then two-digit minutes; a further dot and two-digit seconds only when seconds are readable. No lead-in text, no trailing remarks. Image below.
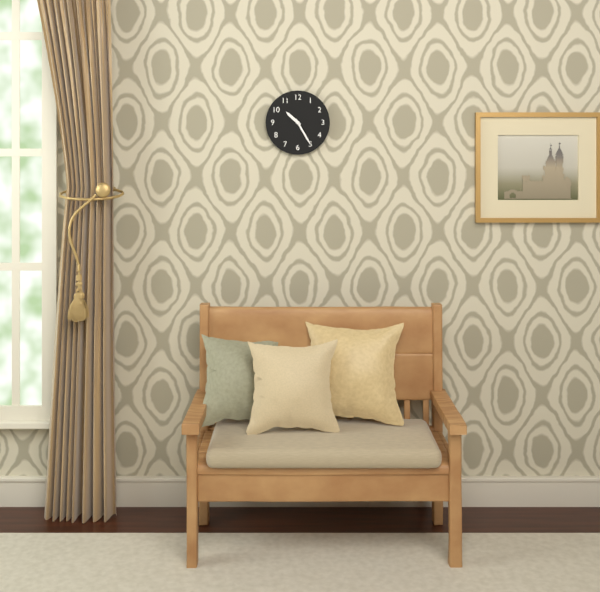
10.25
